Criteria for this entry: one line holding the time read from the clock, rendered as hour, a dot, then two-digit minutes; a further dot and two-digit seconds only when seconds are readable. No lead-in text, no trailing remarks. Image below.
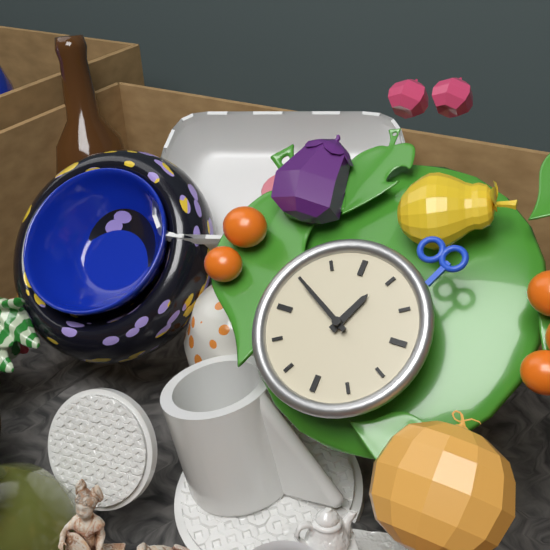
12.50
